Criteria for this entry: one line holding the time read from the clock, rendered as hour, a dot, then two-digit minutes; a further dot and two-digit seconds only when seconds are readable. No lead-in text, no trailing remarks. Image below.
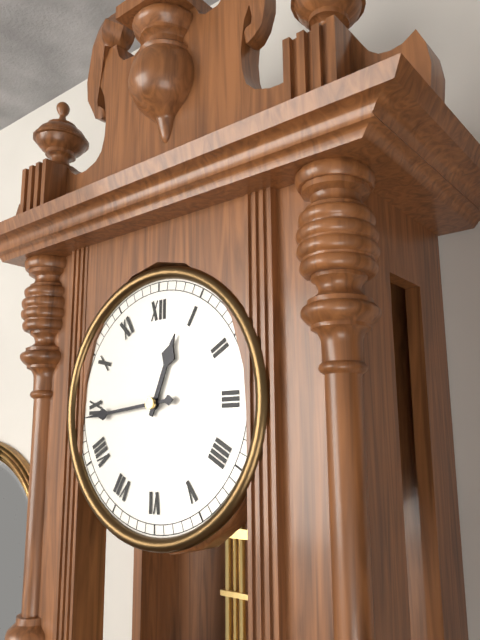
12.44
